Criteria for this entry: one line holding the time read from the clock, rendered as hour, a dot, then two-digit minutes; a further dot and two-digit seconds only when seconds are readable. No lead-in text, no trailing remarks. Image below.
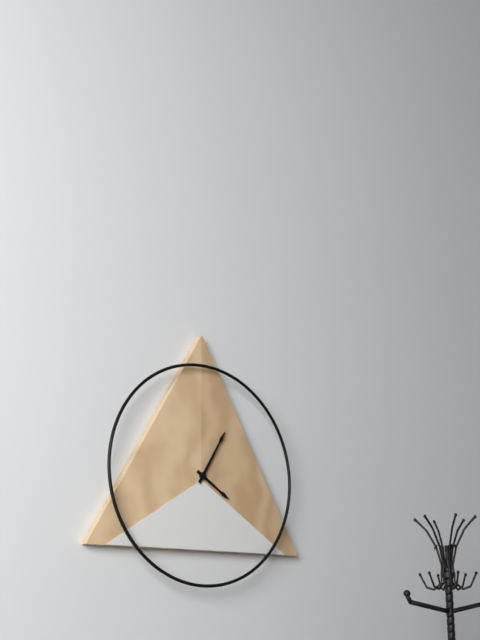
4.05
